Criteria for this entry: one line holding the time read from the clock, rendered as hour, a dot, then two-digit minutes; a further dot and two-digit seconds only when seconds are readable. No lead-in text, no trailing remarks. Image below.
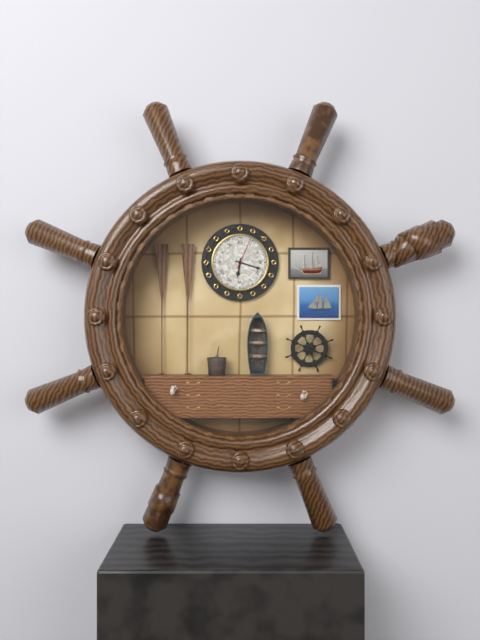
6.18
